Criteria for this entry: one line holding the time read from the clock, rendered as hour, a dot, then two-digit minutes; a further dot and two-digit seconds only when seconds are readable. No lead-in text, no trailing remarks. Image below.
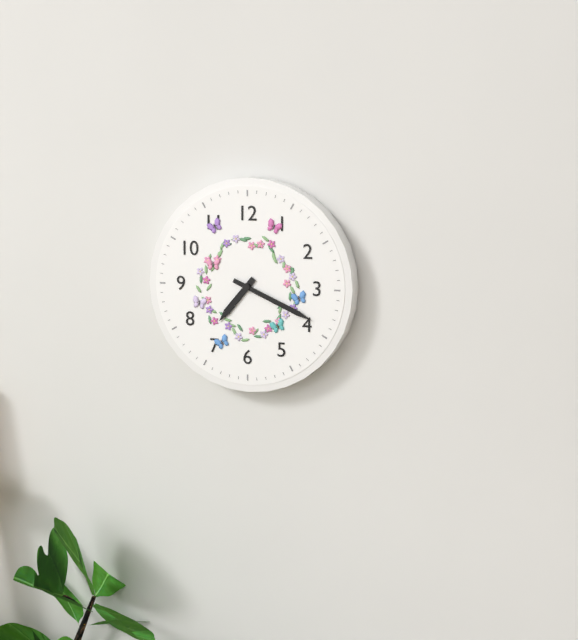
7.19
